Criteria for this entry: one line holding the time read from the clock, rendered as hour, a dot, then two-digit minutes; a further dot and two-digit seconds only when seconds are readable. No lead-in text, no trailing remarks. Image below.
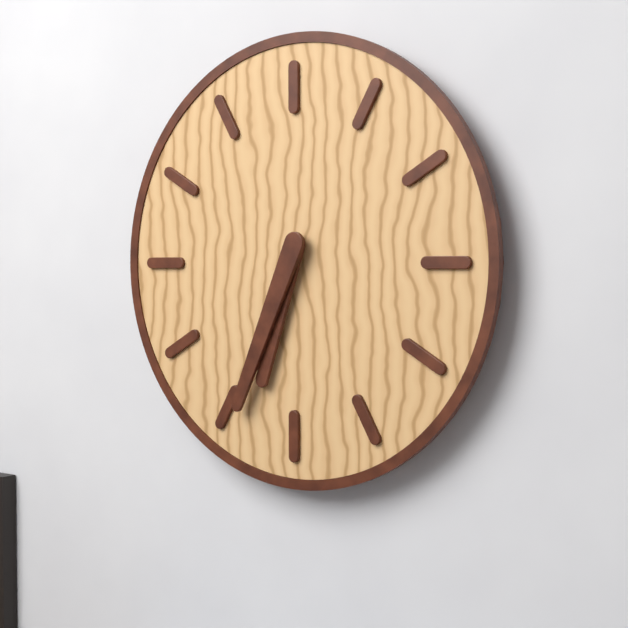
6.34
